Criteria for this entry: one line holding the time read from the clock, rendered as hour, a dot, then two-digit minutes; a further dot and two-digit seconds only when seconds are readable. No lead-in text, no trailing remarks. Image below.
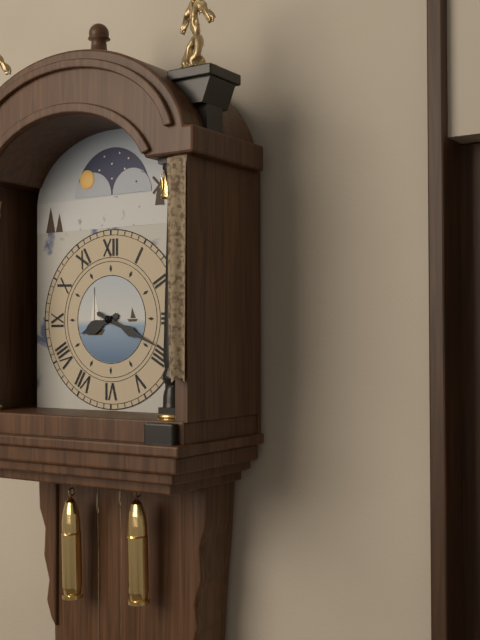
8.19
